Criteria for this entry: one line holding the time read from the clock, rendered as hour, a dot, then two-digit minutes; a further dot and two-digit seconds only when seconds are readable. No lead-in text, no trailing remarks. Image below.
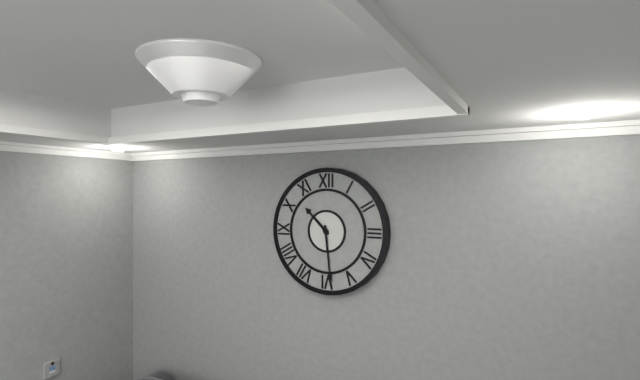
10.29
